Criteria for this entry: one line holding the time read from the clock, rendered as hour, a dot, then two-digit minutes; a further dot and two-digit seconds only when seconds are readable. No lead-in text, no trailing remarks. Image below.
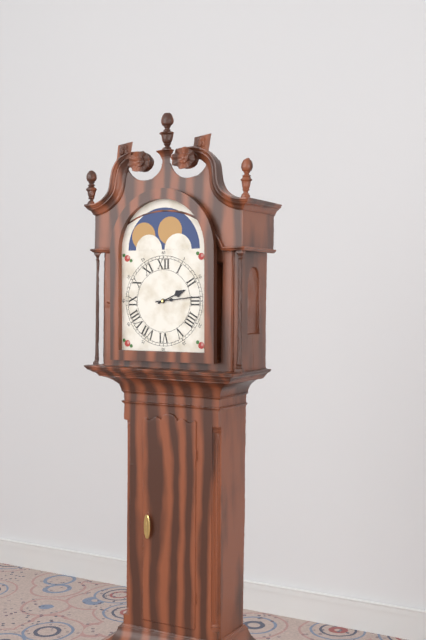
2.14
